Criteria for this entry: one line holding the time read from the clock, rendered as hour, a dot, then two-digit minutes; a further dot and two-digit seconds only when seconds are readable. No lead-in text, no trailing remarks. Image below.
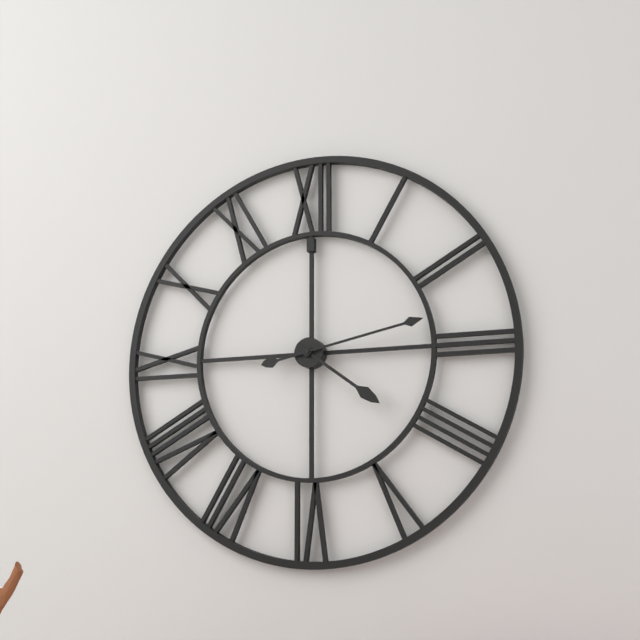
4.13
